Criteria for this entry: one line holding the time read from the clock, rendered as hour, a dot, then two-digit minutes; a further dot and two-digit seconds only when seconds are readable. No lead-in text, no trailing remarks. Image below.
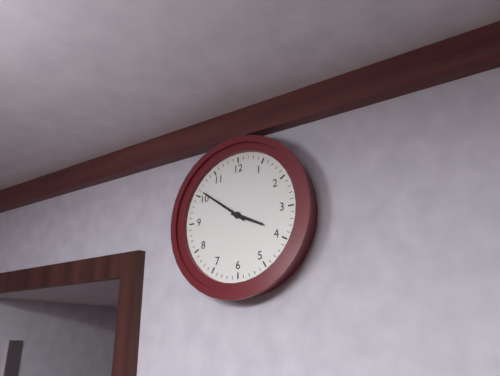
3.51
